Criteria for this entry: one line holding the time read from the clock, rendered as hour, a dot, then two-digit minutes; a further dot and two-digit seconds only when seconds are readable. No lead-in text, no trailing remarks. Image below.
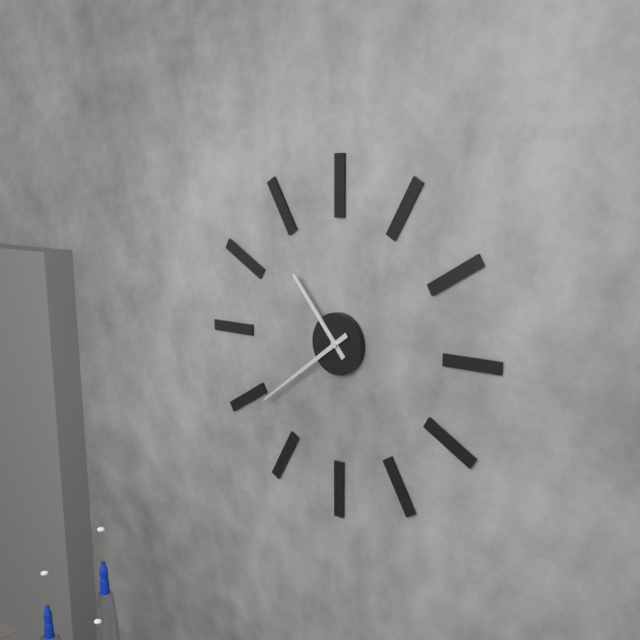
10.39
